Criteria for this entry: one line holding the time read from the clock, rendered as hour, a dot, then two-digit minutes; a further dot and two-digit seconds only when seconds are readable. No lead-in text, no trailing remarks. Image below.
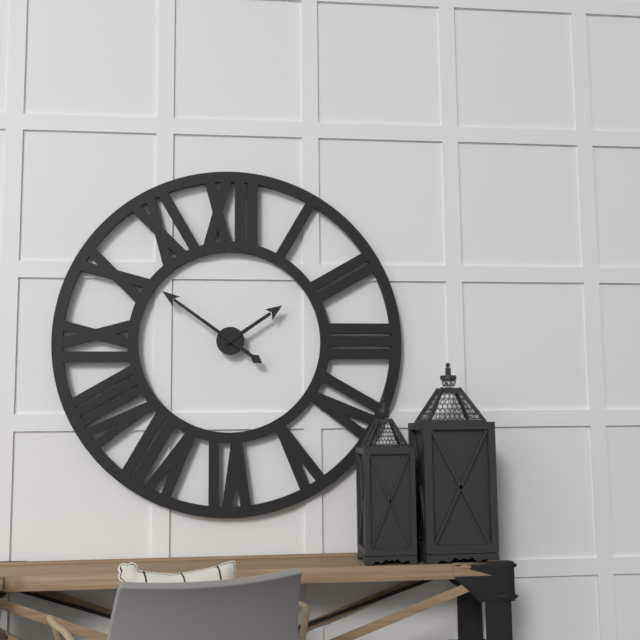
1.51
